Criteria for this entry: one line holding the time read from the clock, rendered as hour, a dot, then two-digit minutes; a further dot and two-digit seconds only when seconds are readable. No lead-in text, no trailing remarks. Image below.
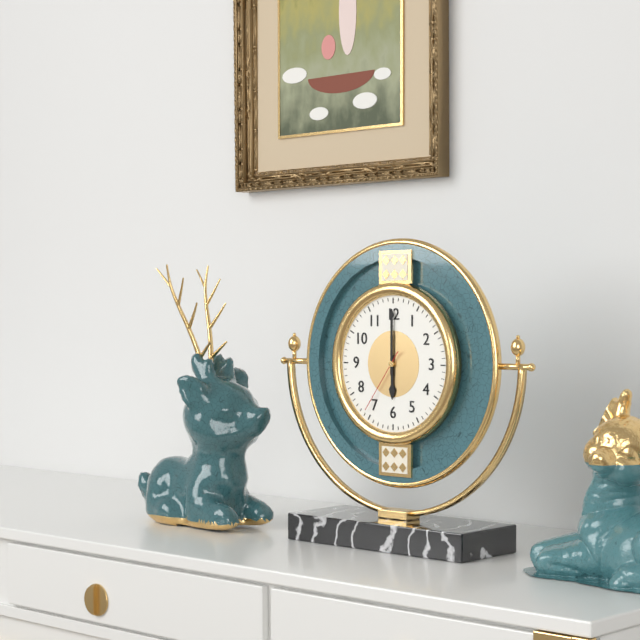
6.00.36
